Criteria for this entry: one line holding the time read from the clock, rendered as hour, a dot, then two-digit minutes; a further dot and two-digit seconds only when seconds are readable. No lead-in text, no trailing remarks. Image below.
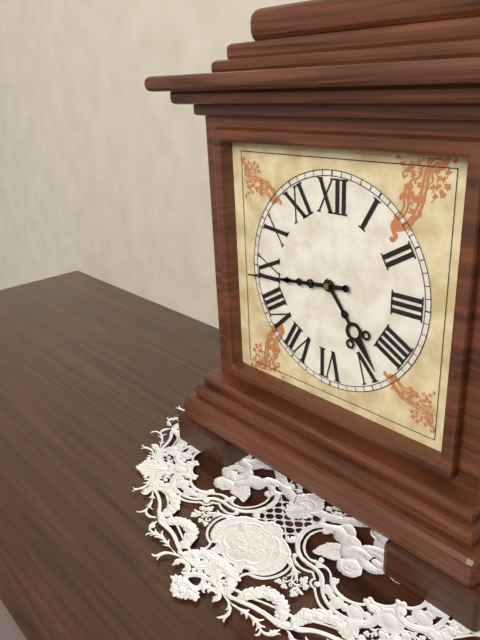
4.44
